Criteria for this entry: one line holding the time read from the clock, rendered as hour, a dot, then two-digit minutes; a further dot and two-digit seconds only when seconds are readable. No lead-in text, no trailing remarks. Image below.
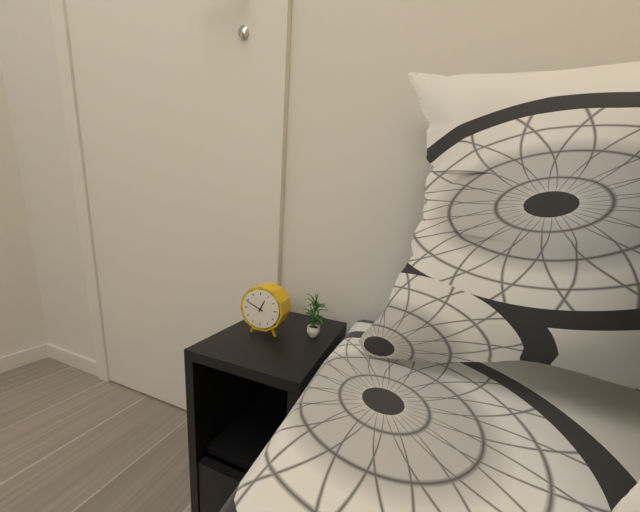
12.49
